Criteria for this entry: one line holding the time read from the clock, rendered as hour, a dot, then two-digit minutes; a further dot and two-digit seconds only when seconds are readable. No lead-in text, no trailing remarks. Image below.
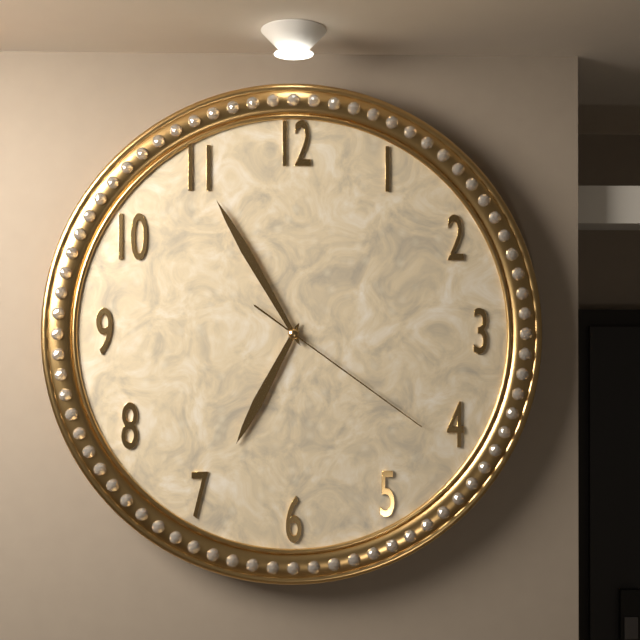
6.55.21
